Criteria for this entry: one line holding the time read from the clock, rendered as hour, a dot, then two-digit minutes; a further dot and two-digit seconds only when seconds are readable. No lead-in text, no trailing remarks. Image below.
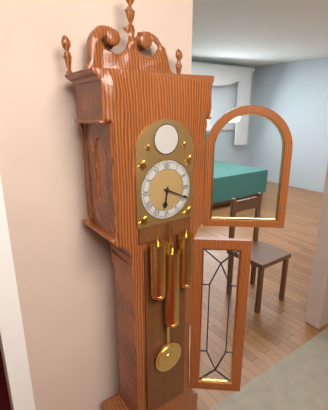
6.19
